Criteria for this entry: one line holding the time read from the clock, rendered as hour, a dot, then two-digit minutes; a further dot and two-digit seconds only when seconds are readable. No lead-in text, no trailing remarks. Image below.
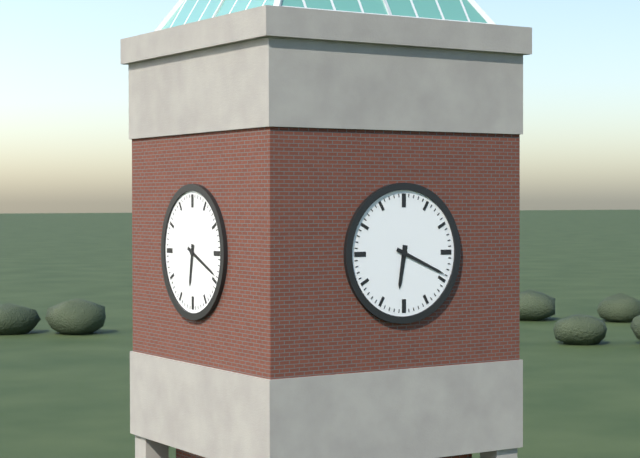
6.19
